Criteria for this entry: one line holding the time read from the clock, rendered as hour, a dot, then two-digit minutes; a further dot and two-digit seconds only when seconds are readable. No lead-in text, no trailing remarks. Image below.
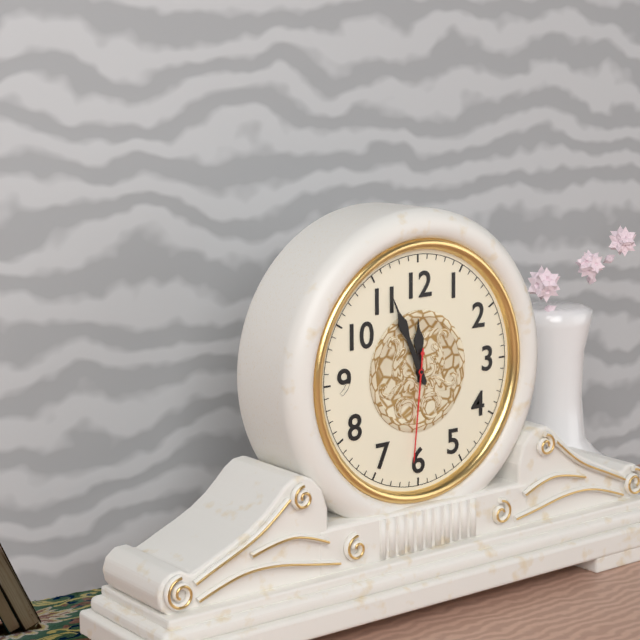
11.56.31
